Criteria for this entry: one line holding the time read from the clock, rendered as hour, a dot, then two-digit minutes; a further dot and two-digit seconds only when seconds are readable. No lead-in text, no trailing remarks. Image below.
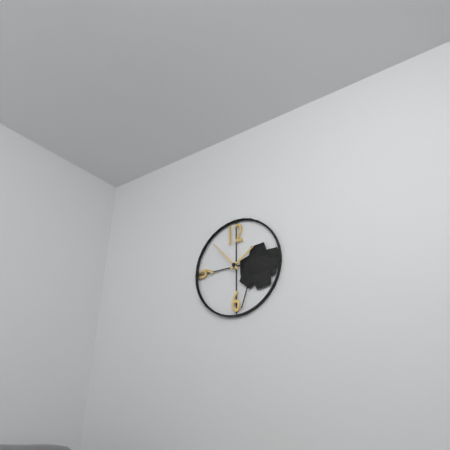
1.53
